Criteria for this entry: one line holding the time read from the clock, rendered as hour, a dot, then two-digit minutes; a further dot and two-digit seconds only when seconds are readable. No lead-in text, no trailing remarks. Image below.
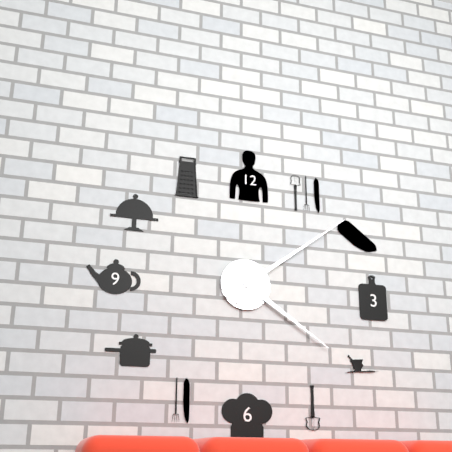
4.09
